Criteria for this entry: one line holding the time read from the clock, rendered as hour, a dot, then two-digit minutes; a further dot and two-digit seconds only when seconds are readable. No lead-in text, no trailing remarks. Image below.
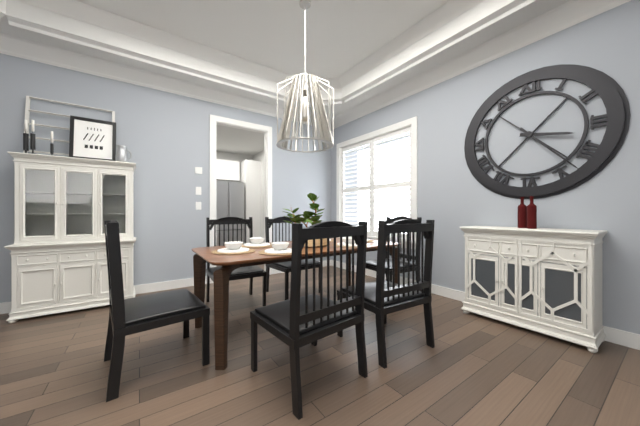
3.23
